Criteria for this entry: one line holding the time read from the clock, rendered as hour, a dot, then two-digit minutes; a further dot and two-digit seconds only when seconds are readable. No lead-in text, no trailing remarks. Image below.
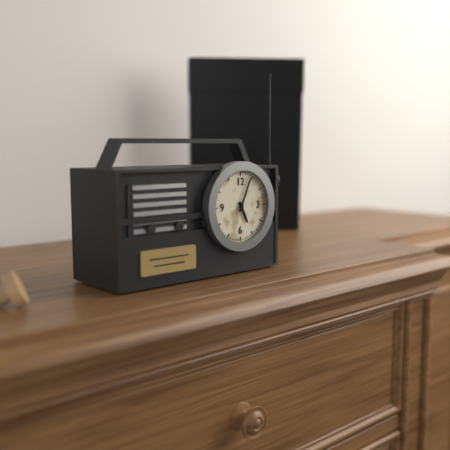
5.04
